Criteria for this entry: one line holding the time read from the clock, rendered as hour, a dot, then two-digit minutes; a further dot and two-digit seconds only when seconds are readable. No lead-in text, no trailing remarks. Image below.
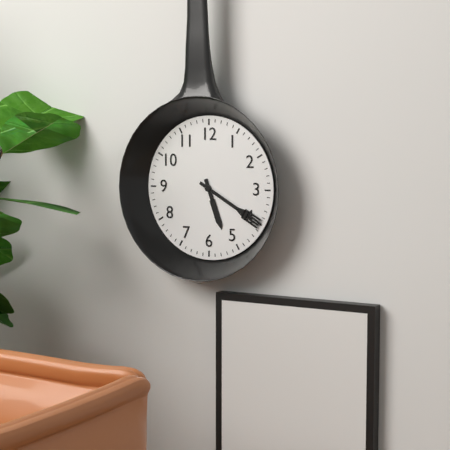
5.20
